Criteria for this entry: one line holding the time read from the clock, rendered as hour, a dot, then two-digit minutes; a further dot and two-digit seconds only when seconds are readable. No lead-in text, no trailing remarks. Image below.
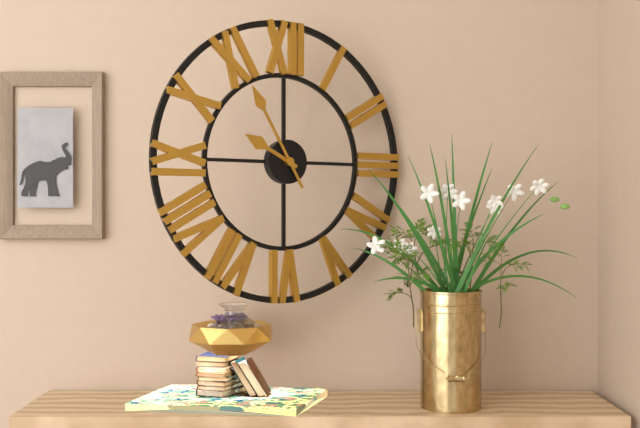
9.55
